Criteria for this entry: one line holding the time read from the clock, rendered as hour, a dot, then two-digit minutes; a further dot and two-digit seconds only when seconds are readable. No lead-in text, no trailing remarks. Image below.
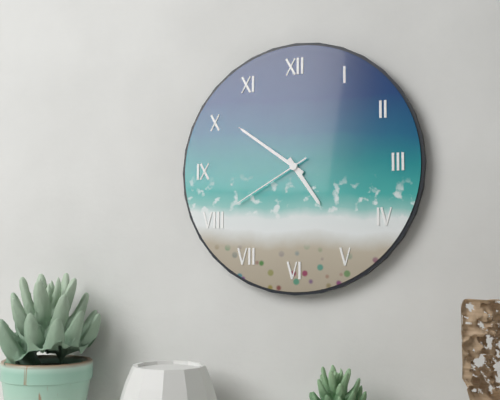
4.51.40
